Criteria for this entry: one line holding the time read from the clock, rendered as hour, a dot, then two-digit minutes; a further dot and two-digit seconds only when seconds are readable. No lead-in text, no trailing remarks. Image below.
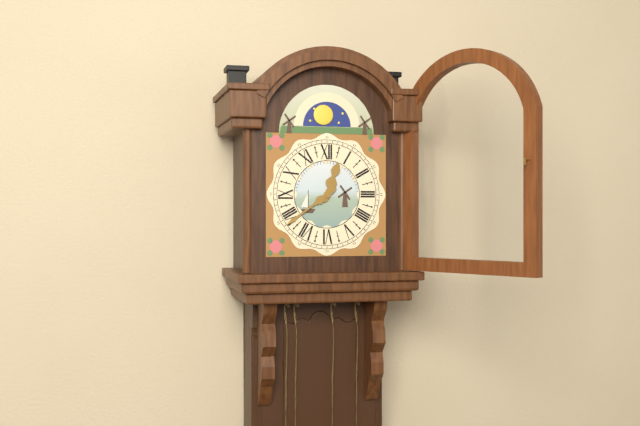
12.39
